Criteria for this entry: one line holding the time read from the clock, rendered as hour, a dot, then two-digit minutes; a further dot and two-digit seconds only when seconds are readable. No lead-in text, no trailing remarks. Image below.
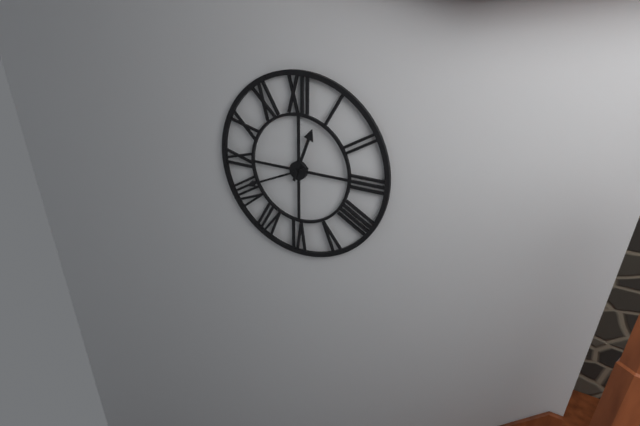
12.41
